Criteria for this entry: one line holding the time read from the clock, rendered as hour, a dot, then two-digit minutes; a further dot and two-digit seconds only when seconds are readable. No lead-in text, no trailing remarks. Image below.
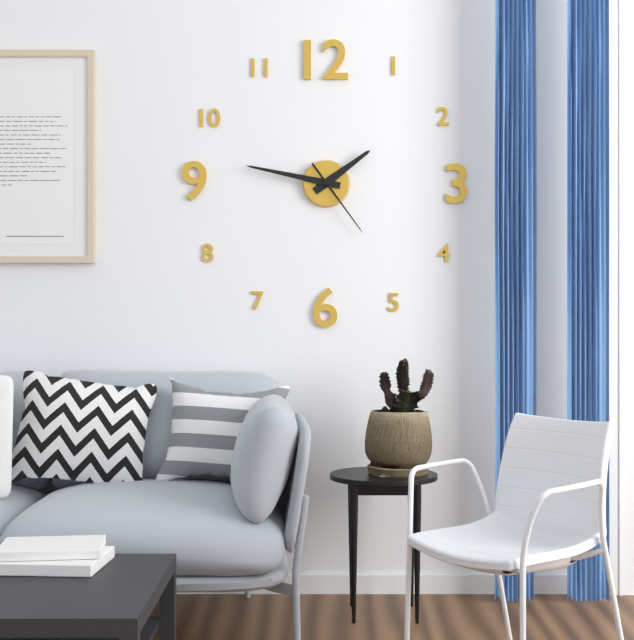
1.47.24
